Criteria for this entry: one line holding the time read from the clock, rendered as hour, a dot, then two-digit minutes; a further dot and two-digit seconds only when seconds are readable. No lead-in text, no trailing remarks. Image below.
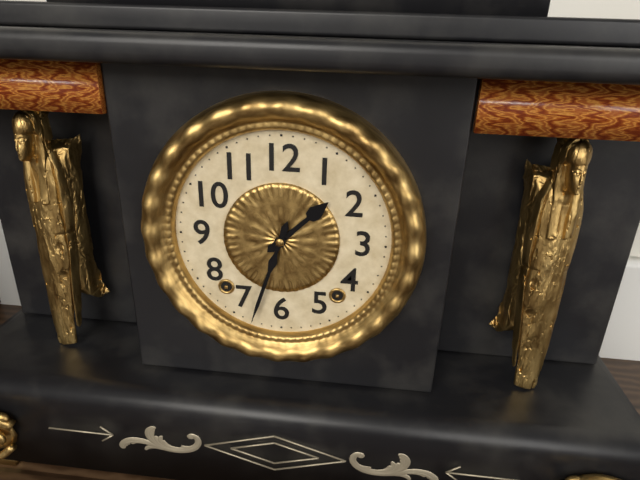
1.33
